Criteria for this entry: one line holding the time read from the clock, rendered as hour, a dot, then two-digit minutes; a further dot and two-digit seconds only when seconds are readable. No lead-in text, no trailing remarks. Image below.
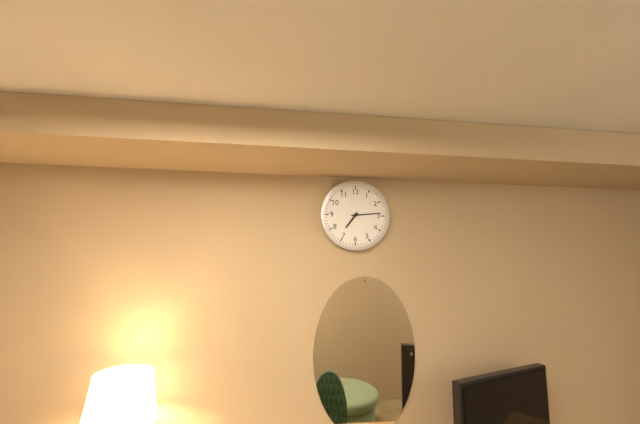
7.14
